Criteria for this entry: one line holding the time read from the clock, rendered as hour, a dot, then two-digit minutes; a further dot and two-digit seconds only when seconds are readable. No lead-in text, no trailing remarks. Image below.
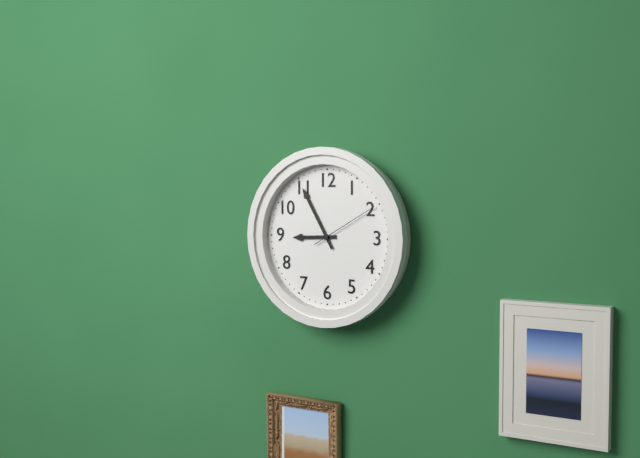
8.55.10
